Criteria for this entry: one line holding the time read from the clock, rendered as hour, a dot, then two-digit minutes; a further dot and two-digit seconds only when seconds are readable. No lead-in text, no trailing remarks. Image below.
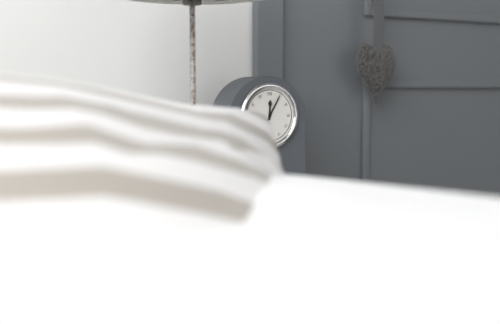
12.05
